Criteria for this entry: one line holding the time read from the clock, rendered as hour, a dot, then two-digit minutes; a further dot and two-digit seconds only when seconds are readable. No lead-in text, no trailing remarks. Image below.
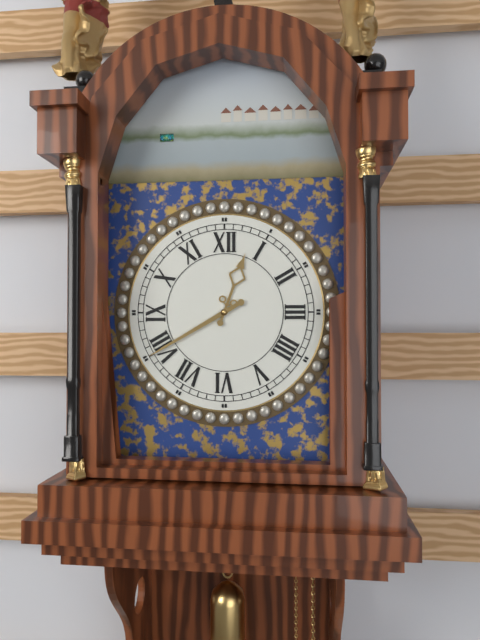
12.40
